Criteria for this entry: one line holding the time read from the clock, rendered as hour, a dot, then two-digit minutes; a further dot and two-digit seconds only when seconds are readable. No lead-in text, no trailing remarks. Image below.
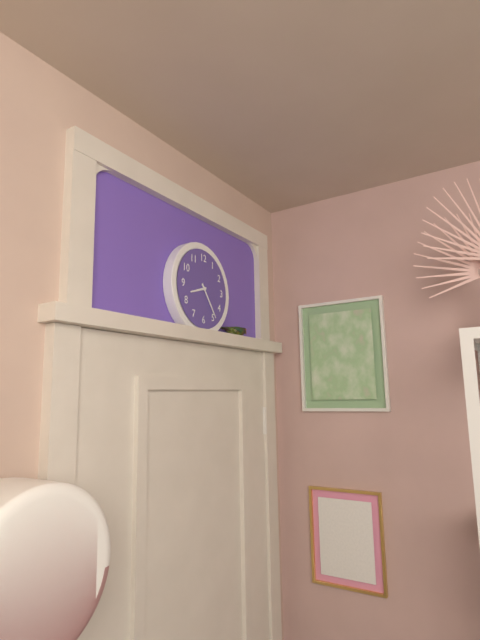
8.24
